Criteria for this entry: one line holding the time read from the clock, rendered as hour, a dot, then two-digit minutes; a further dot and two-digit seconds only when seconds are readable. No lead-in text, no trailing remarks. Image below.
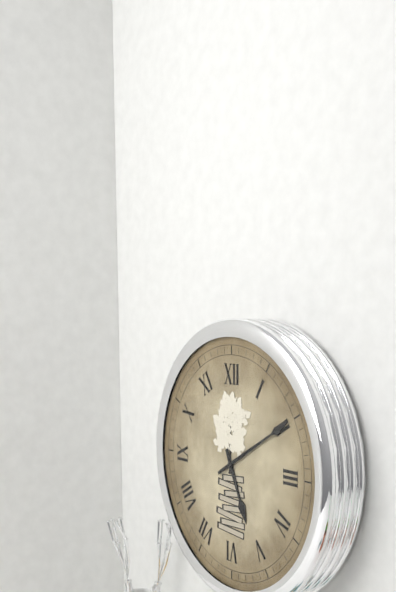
5.10
